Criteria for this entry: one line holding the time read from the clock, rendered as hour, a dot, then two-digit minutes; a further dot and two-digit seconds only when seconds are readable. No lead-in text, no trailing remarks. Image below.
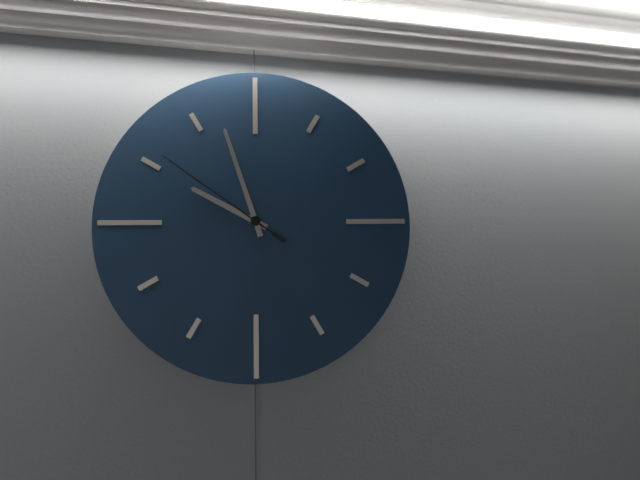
9.57.51
